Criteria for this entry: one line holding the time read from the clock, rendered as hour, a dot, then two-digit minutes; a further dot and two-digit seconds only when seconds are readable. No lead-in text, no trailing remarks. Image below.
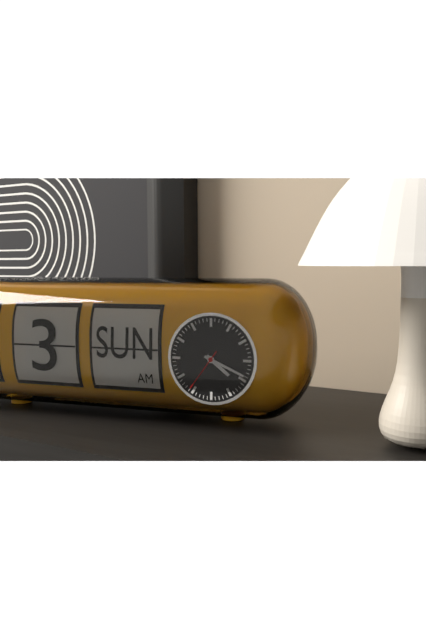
4.19.36
